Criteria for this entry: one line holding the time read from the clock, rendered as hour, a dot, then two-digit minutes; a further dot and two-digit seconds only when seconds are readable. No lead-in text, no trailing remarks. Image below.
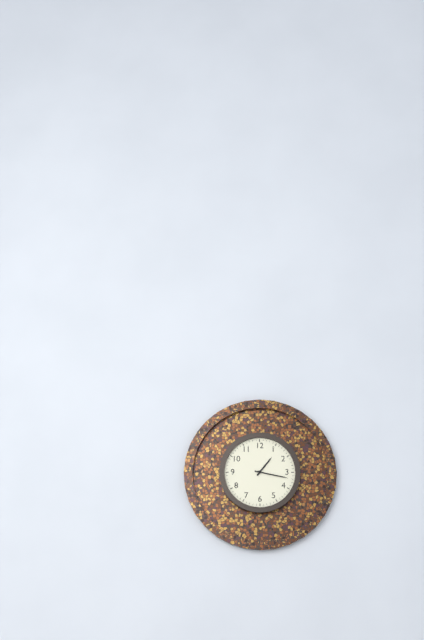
1.17
